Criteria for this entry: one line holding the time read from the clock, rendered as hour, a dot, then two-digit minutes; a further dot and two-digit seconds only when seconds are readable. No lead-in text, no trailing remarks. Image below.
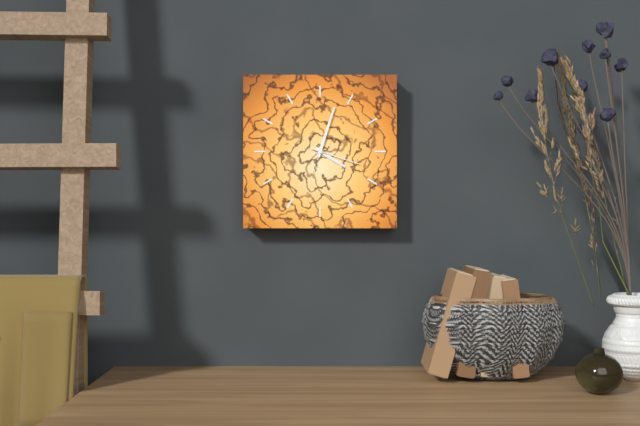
4.03.18
